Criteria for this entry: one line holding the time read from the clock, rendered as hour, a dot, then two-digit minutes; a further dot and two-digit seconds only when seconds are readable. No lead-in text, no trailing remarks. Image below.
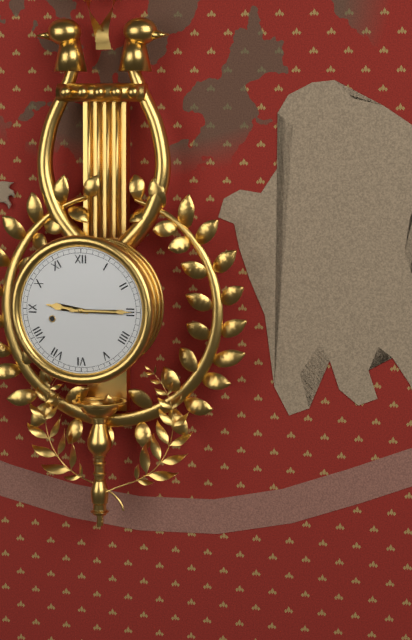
9.15
